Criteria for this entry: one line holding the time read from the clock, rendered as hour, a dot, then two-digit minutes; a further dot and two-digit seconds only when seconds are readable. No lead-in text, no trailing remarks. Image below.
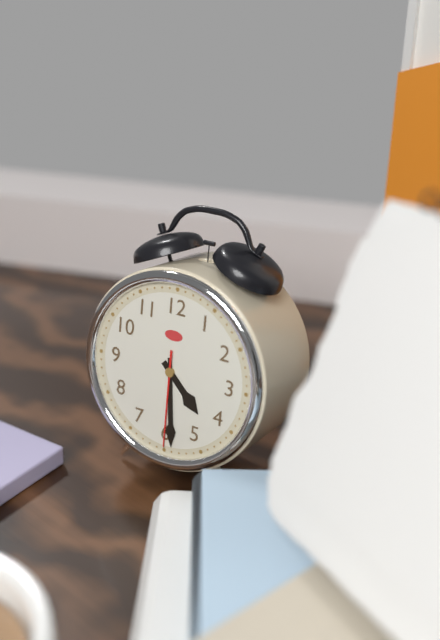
4.29.30
